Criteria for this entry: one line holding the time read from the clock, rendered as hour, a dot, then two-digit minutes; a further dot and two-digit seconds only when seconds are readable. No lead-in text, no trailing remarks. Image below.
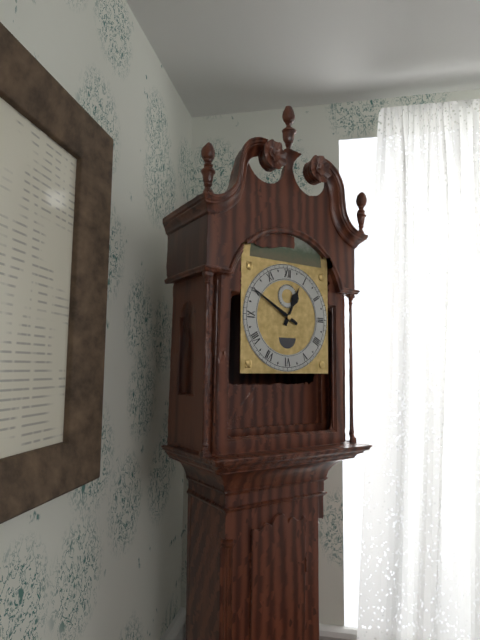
12.50
